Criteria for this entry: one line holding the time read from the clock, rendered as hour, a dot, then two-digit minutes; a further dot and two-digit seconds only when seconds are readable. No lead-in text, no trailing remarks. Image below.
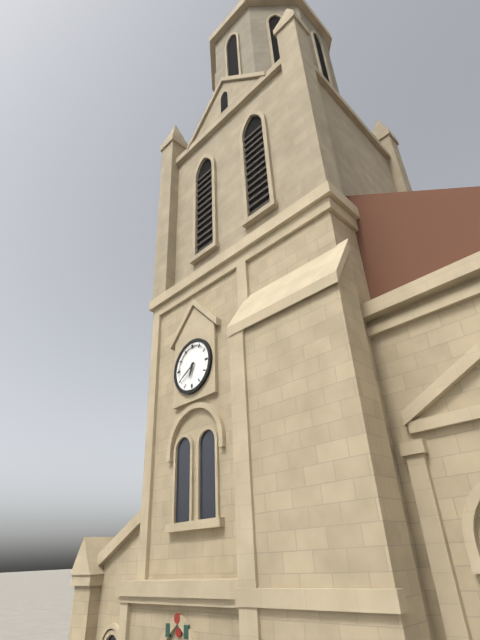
6.40
